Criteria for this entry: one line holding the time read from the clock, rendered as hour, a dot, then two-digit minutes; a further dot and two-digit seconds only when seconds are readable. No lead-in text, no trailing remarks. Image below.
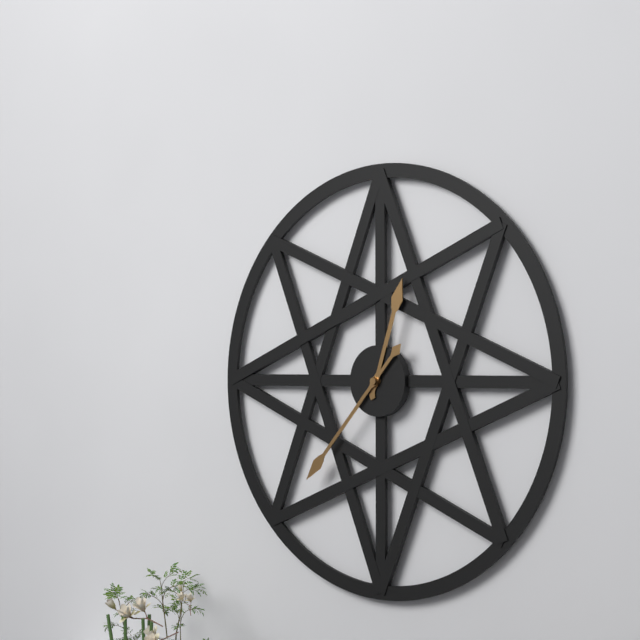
12.37
